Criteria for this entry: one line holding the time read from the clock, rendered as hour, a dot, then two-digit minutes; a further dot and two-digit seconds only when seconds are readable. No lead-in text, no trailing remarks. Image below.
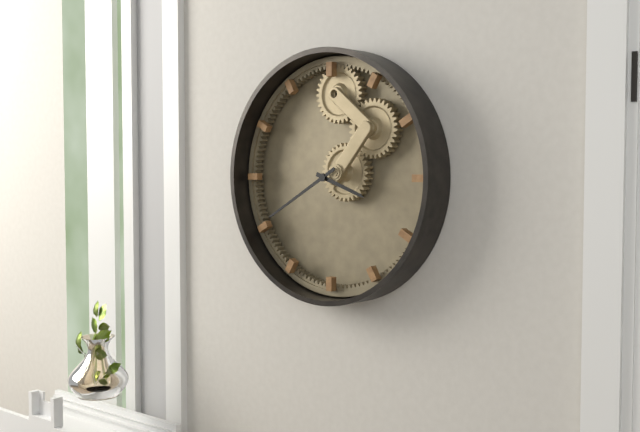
3.40
